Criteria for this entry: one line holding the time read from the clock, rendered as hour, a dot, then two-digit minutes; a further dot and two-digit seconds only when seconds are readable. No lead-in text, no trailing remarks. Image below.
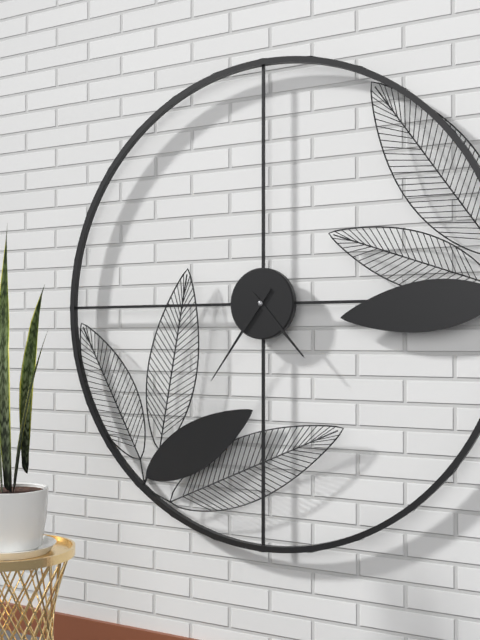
4.36
